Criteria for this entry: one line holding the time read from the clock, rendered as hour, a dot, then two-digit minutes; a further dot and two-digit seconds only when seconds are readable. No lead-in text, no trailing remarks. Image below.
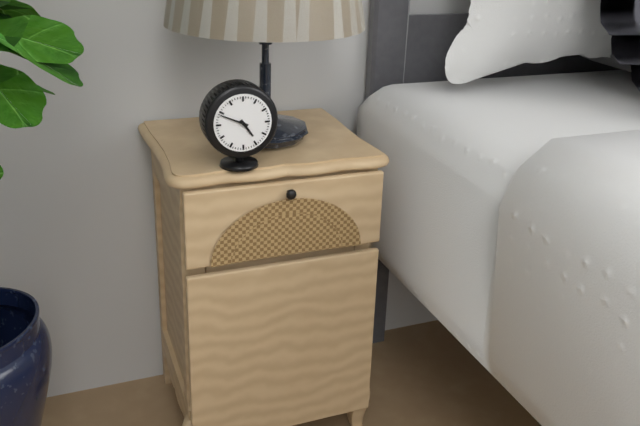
4.49
